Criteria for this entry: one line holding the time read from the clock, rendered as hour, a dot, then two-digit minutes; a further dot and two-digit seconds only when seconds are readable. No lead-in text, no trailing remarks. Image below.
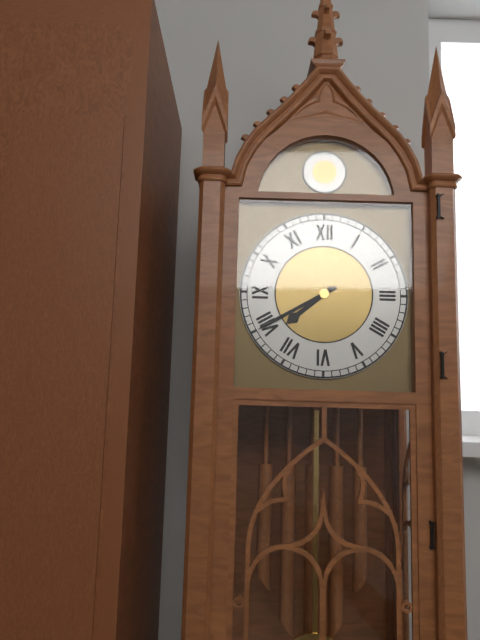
7.40
